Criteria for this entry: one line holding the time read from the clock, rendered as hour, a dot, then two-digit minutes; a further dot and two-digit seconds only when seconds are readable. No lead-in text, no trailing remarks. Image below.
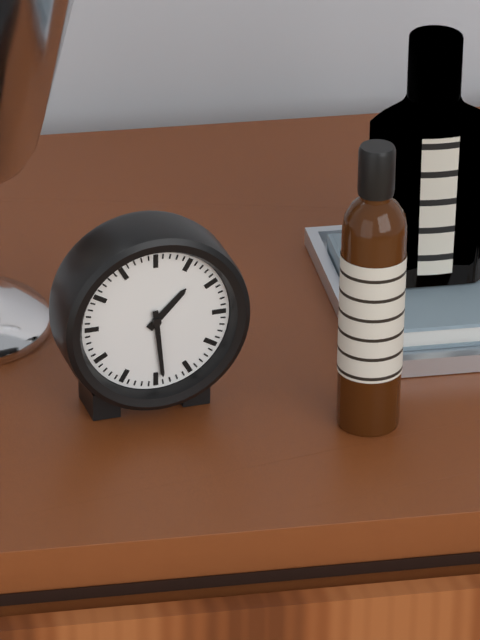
1.29
